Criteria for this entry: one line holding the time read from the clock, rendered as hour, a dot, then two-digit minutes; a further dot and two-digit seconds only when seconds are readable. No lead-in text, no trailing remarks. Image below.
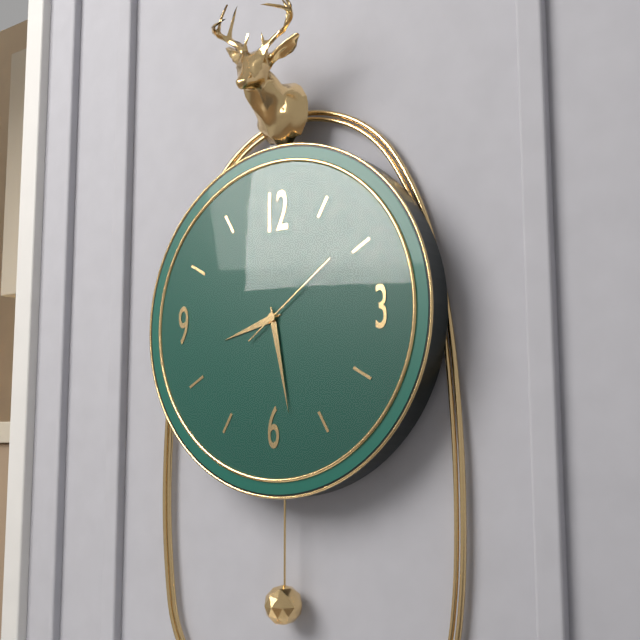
8.28.09
